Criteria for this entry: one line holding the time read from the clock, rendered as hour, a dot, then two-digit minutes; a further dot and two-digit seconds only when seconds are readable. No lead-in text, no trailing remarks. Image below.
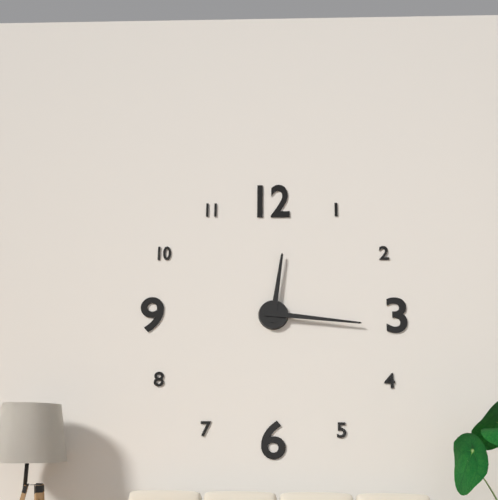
12.16
